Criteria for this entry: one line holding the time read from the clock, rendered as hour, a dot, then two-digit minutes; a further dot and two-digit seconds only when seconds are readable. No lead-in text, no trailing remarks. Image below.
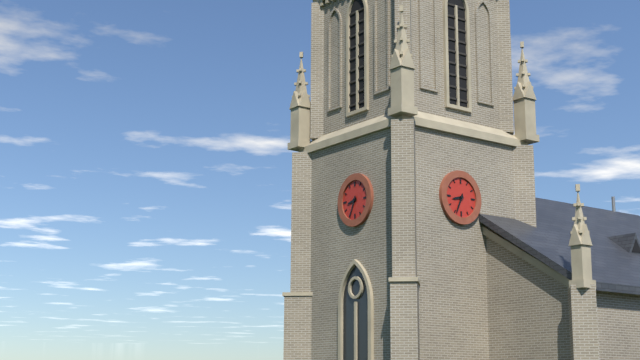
8.34
